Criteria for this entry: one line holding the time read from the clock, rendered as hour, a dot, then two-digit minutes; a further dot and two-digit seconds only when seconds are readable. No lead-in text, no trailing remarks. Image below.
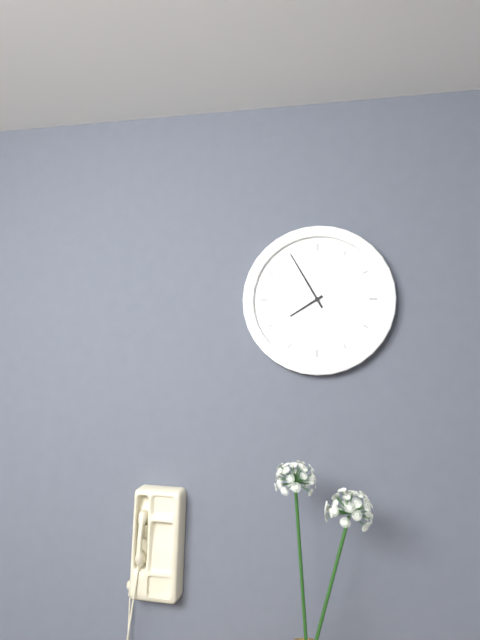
7.55
